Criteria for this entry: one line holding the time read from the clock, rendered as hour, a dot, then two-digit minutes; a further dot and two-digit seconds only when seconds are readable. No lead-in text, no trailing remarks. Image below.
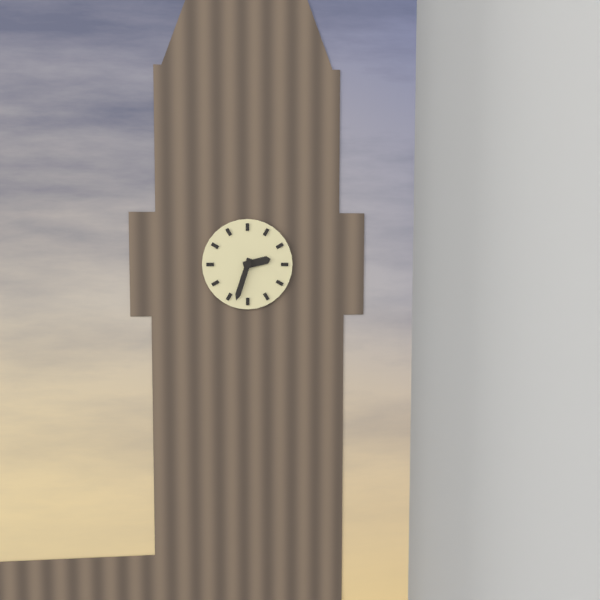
2.33
